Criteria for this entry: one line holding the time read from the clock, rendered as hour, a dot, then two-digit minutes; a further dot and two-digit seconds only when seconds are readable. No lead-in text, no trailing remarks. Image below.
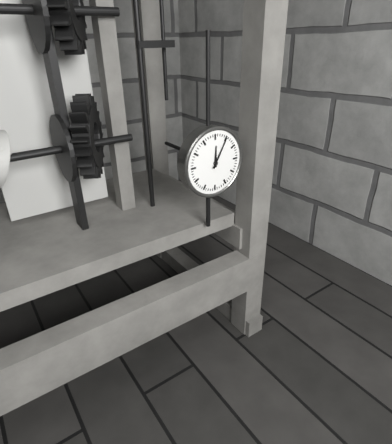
12.05
